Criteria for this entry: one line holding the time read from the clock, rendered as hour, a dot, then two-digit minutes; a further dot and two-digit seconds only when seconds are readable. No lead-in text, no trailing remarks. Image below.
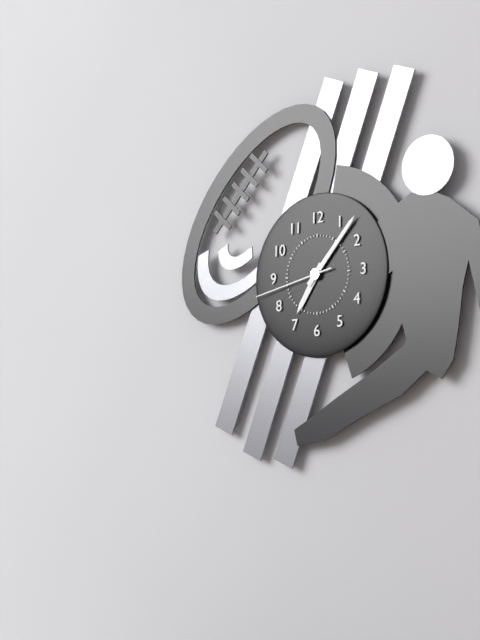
7.07.43
